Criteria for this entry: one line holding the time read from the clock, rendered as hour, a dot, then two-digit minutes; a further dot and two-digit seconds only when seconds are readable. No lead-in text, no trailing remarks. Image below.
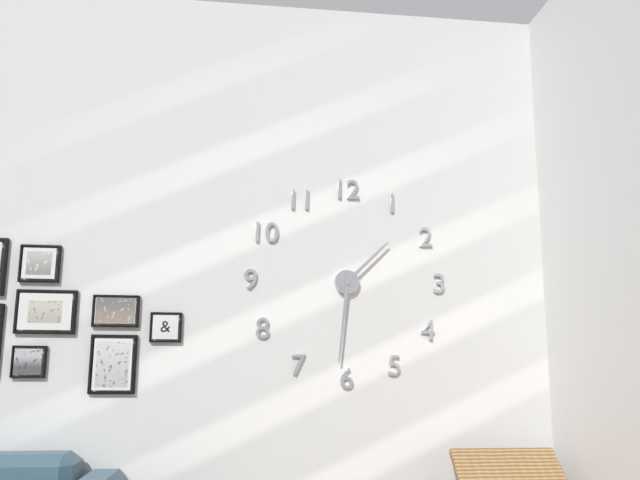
1.31
